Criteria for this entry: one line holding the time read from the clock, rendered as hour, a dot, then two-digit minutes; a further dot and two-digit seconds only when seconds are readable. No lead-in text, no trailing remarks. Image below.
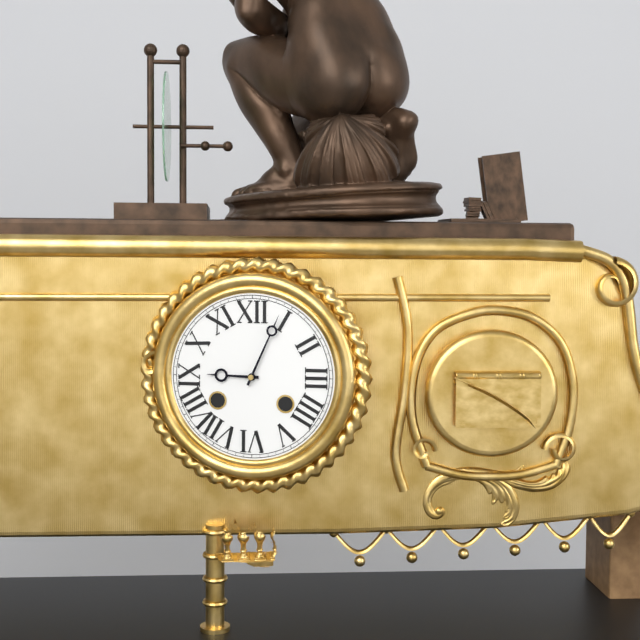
9.04
